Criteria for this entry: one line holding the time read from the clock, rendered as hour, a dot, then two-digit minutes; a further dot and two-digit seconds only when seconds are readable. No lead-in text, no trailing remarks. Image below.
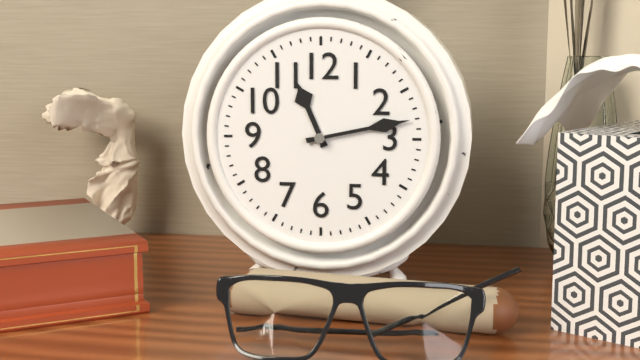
11.13
